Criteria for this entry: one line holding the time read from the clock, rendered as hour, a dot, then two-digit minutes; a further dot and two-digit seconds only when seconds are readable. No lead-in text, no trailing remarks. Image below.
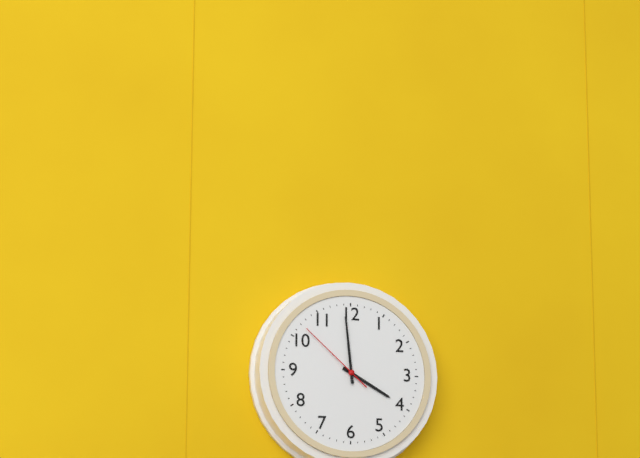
3.59.52
